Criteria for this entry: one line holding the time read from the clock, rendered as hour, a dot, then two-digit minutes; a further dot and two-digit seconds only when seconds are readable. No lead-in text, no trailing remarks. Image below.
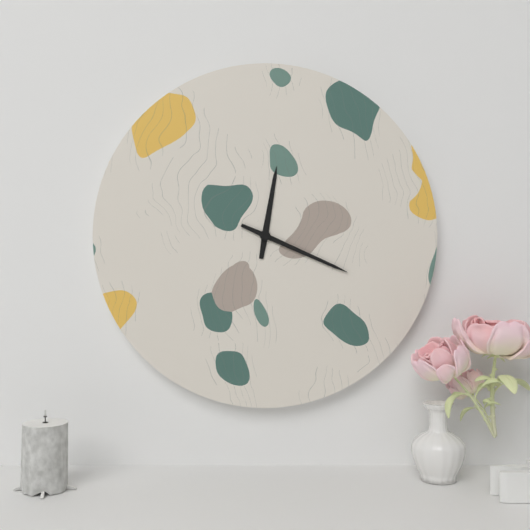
12.19
